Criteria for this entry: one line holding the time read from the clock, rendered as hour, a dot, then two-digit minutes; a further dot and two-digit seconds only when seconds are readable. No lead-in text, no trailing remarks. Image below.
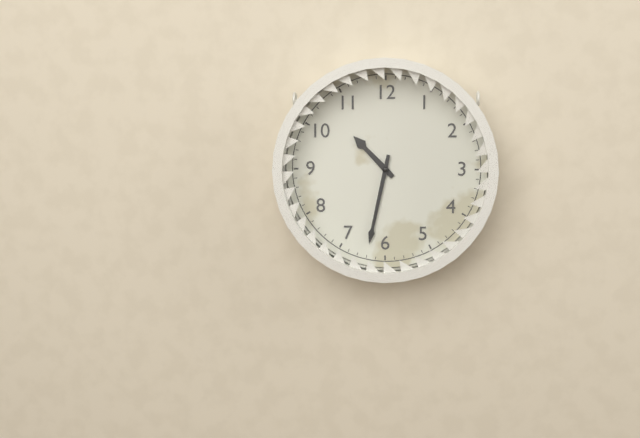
10.32
